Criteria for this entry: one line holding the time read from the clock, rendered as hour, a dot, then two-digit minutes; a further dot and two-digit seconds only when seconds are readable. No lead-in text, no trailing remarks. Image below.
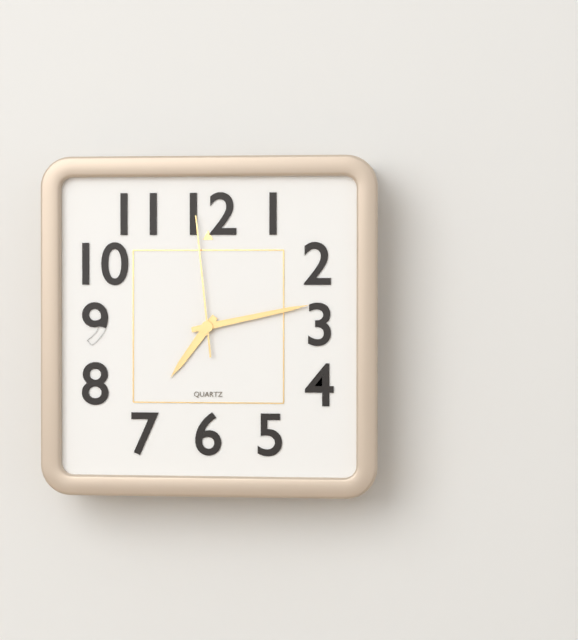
7.13.59
